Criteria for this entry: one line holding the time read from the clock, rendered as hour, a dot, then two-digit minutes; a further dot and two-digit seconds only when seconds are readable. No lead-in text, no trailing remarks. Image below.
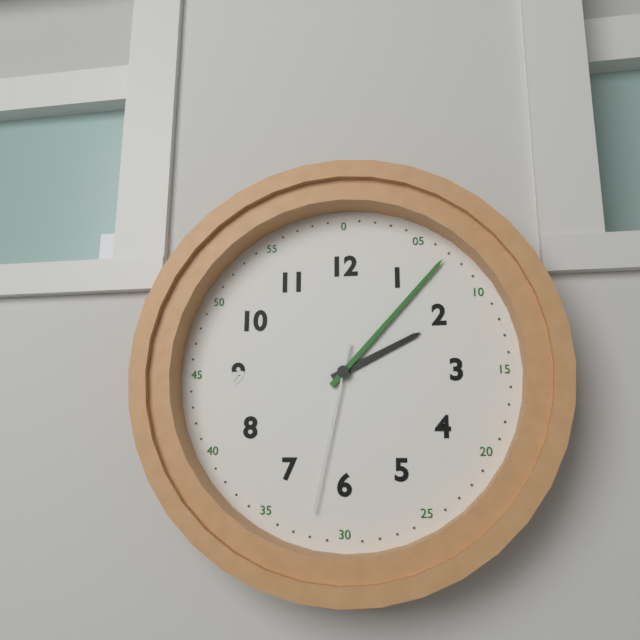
2.07.32
